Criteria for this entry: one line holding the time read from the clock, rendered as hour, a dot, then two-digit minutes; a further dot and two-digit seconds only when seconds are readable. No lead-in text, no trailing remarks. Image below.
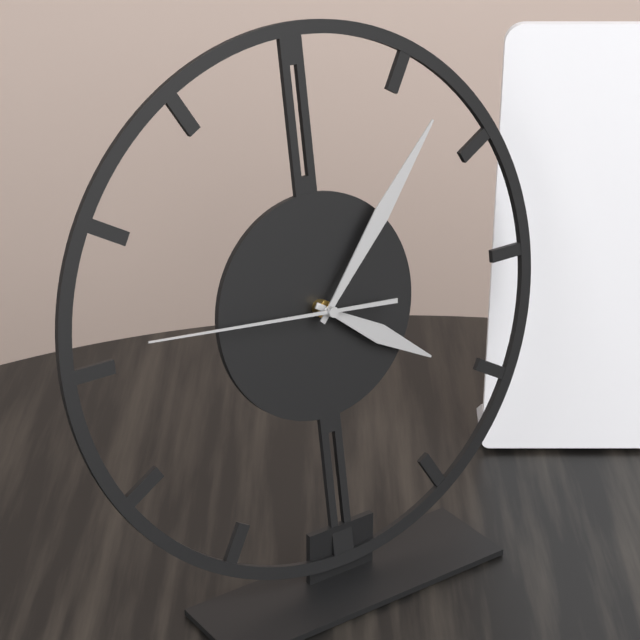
4.07.46
